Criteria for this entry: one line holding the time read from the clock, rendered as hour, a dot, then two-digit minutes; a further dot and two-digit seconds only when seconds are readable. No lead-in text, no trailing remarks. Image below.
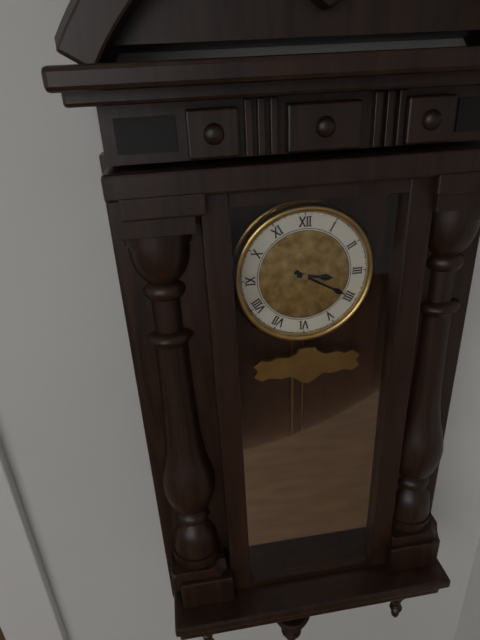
3.20
